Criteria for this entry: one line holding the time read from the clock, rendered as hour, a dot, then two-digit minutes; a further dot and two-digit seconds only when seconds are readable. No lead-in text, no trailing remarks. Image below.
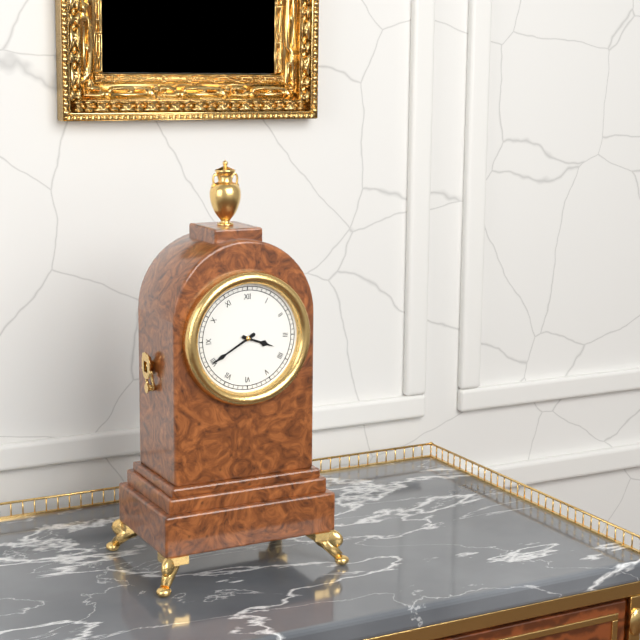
3.40
